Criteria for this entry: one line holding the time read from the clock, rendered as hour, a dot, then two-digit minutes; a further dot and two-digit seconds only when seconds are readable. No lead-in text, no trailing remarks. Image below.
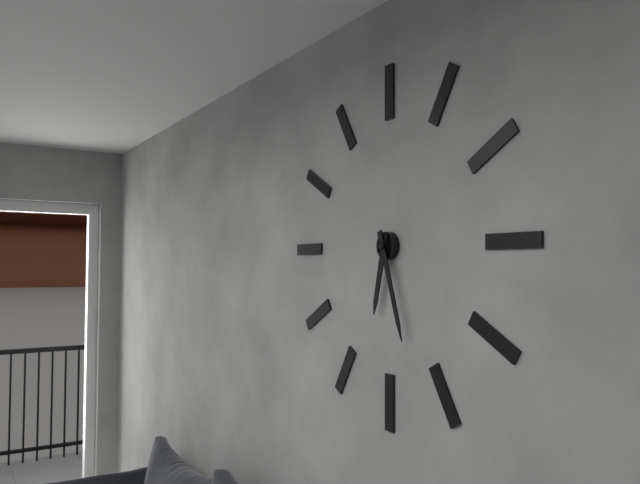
6.27
